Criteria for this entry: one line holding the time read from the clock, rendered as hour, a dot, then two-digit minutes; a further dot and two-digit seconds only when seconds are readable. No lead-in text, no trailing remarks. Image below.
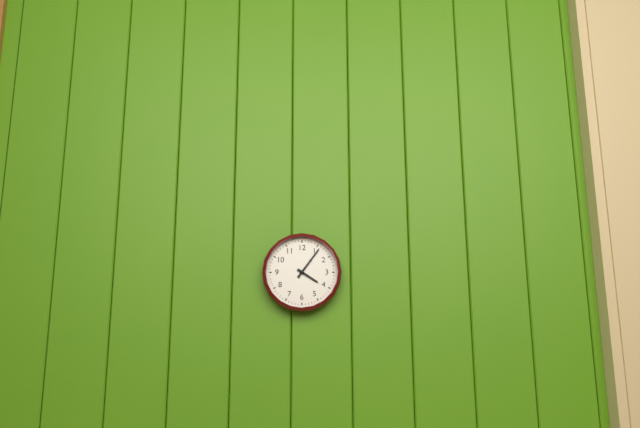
4.06
